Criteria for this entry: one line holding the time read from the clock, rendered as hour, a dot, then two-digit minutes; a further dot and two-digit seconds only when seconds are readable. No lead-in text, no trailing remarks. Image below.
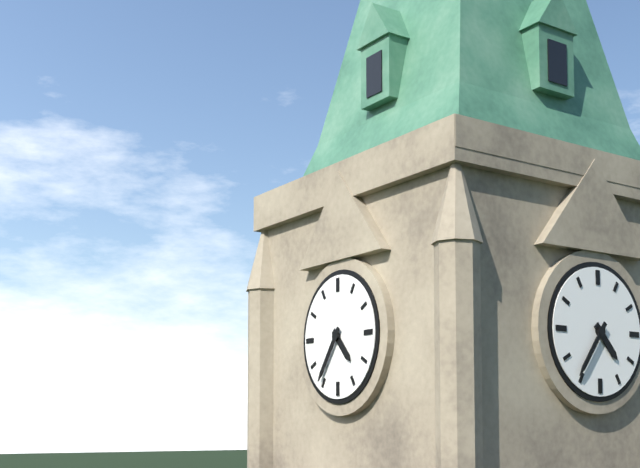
4.36
